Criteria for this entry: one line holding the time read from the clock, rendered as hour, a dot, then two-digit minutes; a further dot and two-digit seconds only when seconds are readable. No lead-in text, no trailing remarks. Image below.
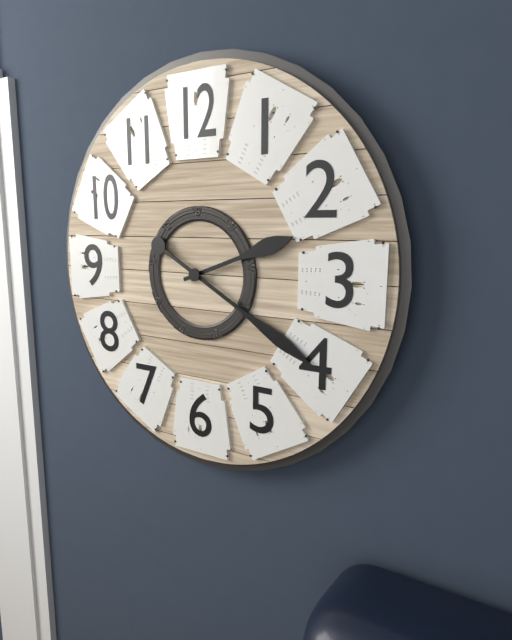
2.20
